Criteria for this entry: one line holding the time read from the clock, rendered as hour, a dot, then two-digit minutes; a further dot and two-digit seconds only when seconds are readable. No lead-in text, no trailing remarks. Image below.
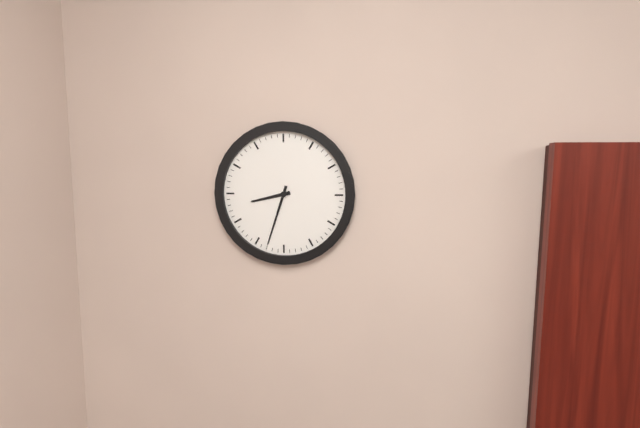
8.33
